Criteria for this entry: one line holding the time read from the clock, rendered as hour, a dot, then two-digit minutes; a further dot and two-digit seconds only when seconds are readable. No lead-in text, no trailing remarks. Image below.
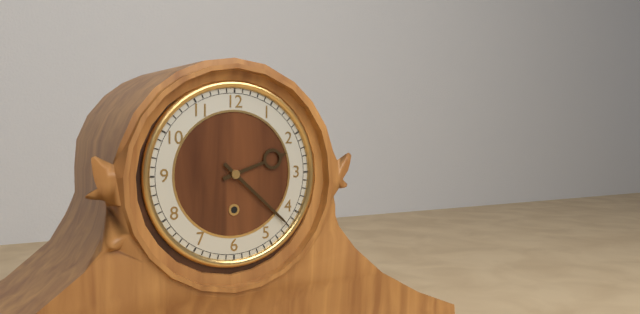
2.22
